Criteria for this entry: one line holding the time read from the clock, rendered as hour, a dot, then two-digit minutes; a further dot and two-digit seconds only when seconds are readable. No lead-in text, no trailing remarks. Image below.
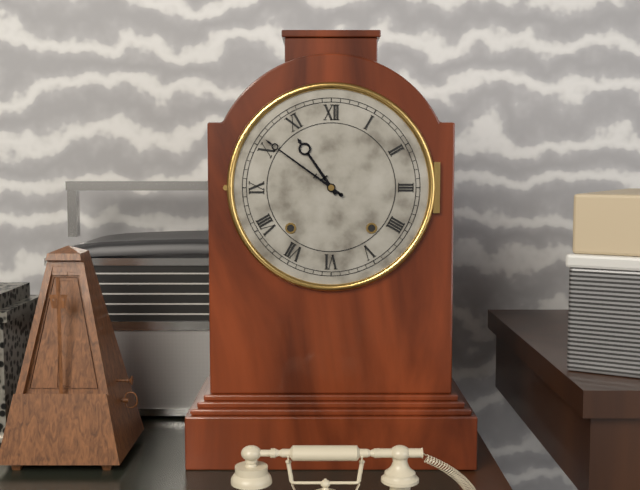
10.51
